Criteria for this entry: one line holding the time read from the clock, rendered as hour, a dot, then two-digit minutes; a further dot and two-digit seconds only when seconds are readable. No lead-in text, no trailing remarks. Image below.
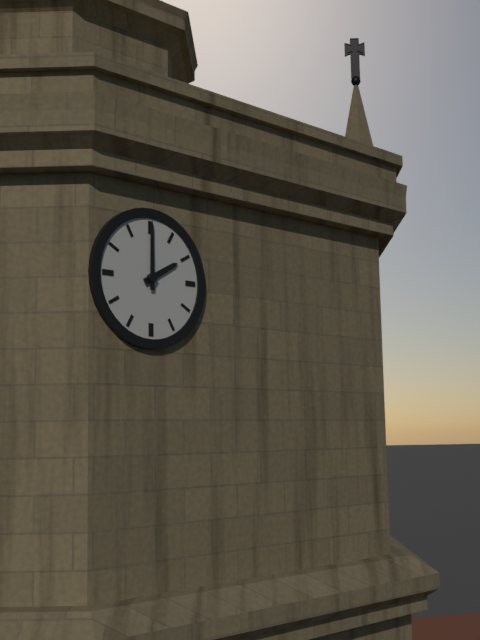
2.00
